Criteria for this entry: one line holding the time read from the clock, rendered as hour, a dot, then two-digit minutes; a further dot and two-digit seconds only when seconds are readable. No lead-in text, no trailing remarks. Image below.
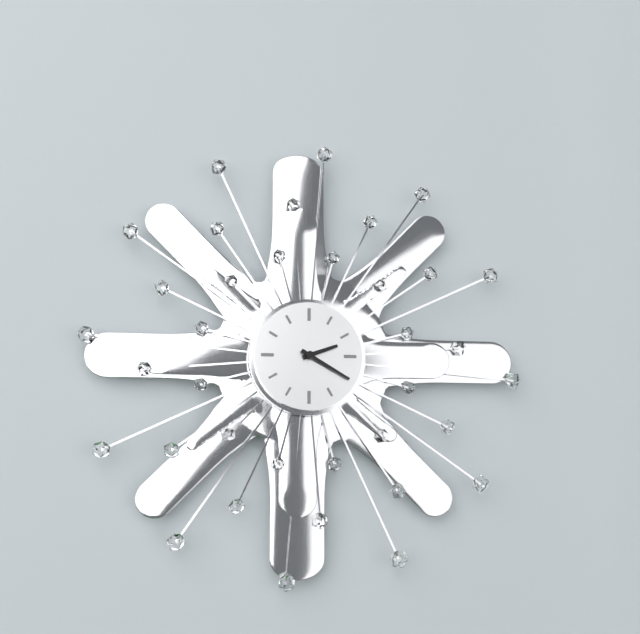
2.20
